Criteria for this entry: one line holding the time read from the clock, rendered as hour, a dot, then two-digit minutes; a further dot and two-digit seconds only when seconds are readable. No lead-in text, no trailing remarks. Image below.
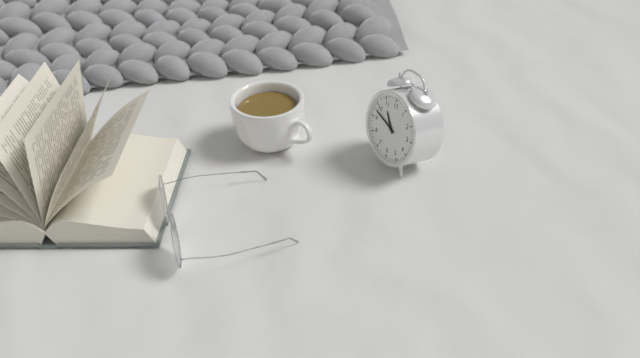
10.48
